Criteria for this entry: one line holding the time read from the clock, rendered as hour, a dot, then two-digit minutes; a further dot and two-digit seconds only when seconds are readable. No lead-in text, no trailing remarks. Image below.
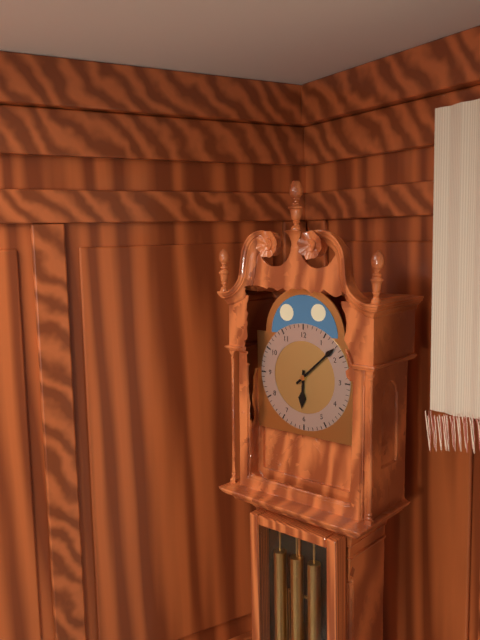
6.08
